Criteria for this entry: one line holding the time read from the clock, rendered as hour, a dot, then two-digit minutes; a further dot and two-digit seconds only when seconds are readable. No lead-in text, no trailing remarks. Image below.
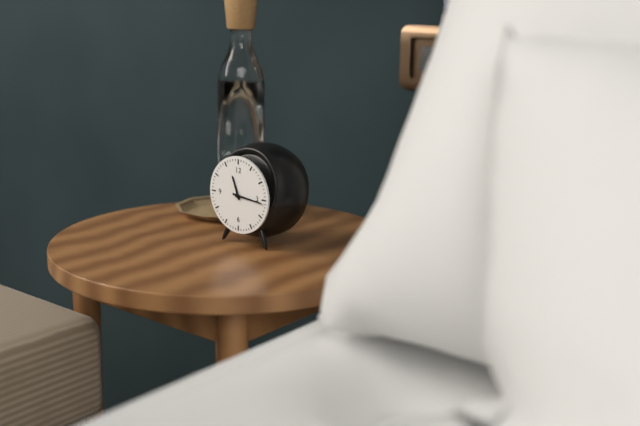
11.16
